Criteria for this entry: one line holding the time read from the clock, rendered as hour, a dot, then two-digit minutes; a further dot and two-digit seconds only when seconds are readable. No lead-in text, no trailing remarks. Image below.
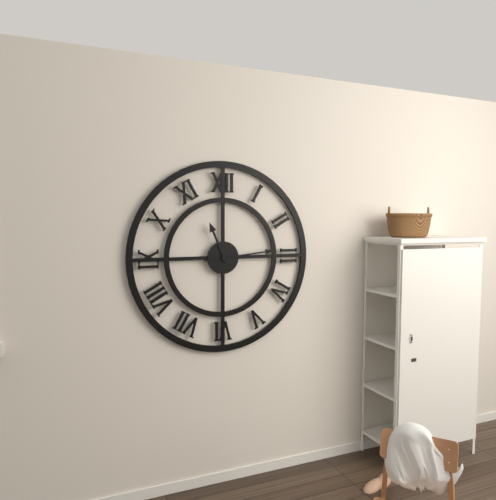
11.14
